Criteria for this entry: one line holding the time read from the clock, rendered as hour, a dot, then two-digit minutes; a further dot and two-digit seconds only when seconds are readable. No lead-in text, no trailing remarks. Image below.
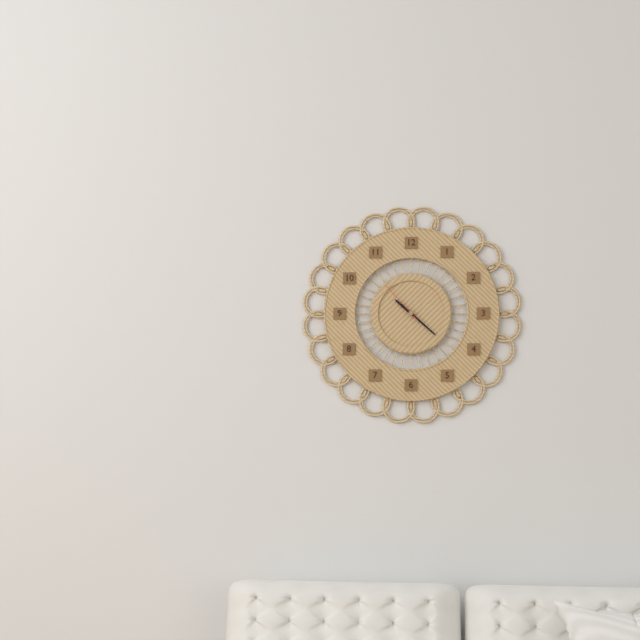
10.22
